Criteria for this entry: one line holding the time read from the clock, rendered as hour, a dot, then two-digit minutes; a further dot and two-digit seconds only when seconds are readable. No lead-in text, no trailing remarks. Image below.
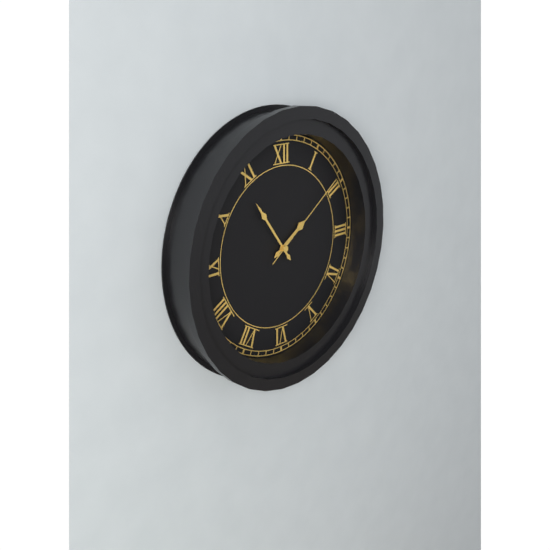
1.54.09
